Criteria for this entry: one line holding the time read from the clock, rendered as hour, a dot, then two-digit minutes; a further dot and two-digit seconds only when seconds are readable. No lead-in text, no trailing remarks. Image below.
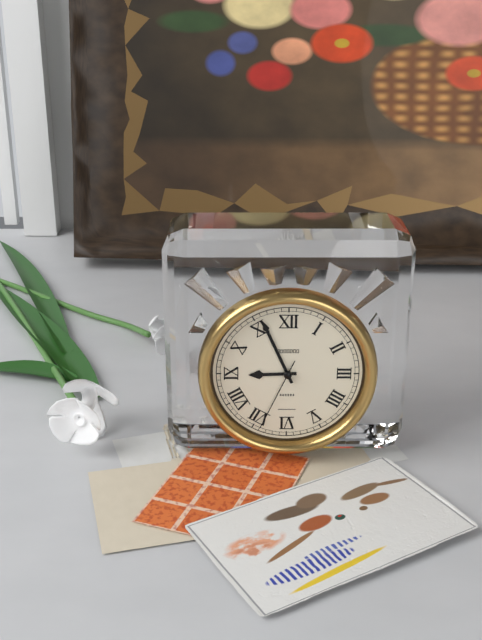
8.56.34
